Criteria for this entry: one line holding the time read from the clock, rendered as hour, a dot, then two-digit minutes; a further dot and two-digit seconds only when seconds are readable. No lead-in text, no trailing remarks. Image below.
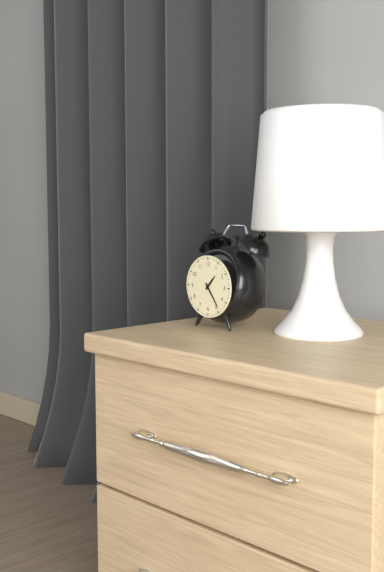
1.24
